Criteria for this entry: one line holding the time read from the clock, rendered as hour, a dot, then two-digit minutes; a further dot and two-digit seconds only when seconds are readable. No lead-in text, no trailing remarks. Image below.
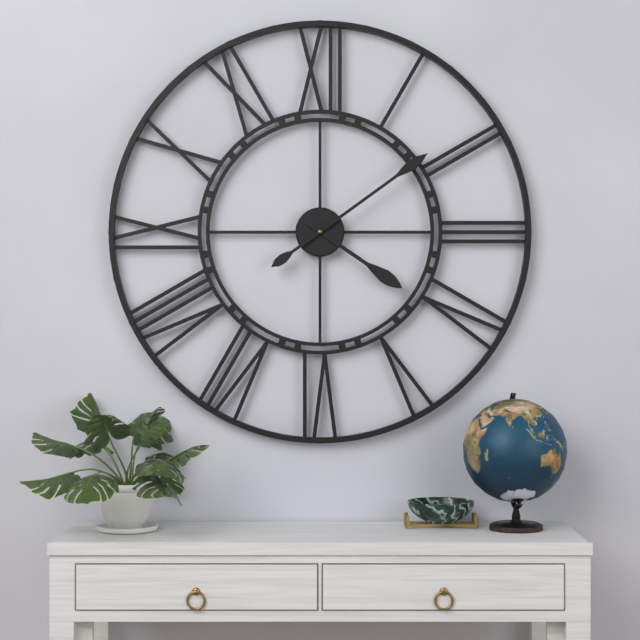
4.09
